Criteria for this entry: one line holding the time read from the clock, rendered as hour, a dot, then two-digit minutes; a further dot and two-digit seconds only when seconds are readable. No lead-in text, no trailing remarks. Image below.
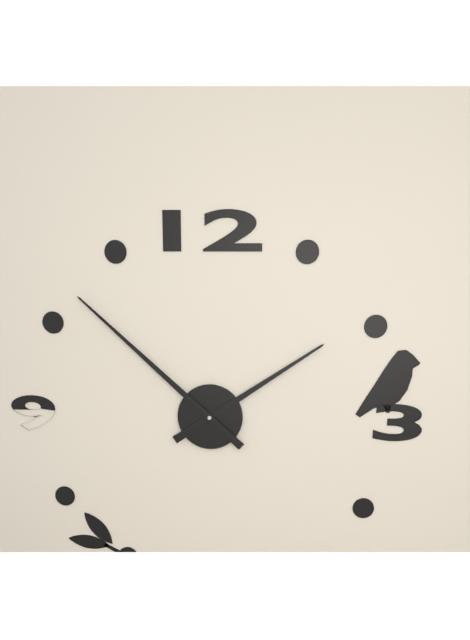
1.52
